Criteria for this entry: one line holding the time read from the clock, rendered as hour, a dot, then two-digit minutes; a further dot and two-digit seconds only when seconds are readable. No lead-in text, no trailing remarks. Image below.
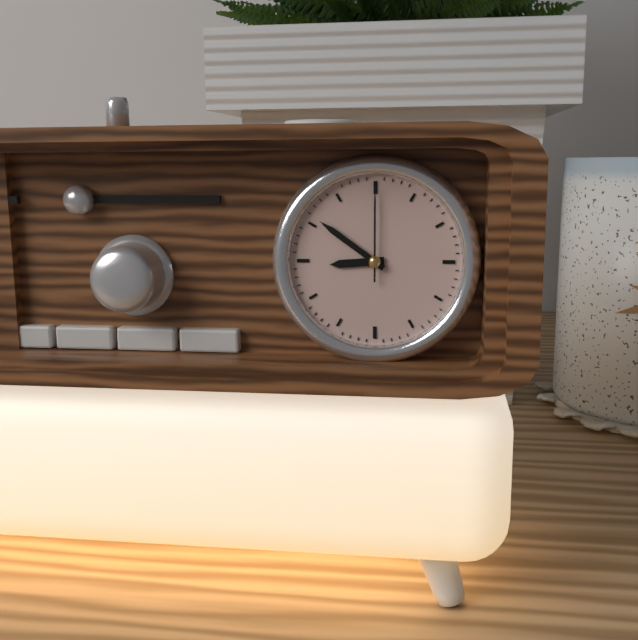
8.51.00
